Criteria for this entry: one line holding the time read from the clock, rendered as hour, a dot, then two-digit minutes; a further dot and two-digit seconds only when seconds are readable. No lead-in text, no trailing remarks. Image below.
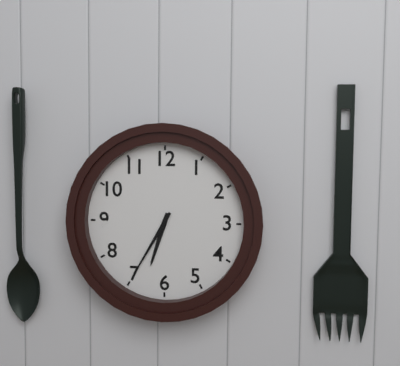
6.35
